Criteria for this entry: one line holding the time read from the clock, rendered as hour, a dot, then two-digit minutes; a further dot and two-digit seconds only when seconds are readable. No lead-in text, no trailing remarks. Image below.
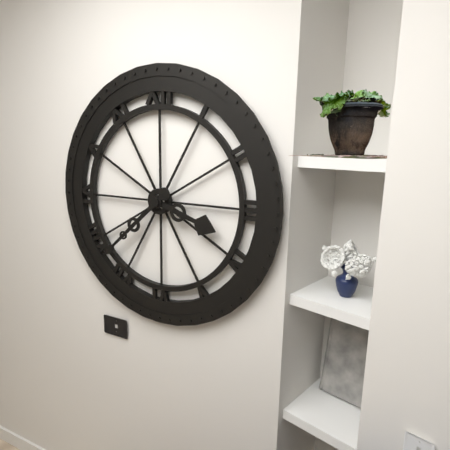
3.38
